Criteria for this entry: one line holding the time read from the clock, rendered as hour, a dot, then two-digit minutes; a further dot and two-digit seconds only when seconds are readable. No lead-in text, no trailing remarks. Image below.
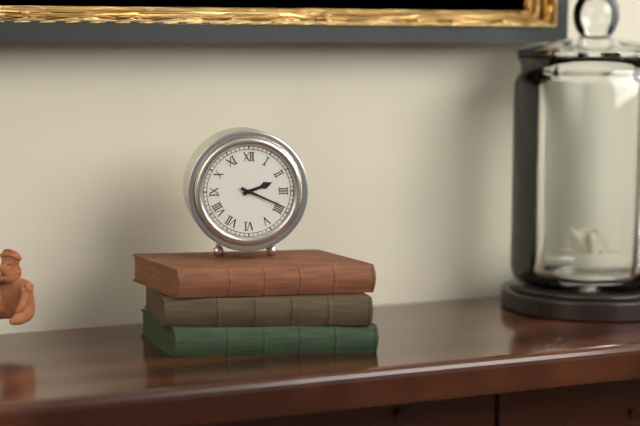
2.19
